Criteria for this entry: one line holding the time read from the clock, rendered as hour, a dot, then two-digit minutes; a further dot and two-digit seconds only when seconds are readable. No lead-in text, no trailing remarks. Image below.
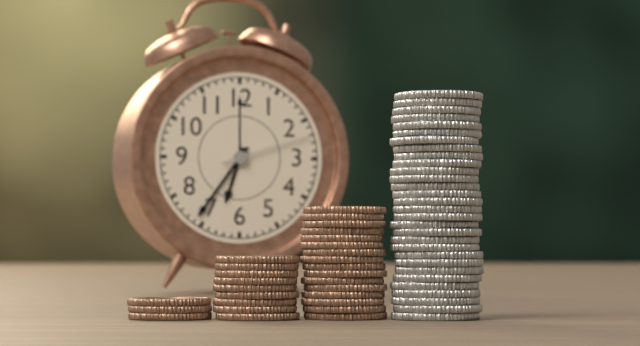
6.36.12
